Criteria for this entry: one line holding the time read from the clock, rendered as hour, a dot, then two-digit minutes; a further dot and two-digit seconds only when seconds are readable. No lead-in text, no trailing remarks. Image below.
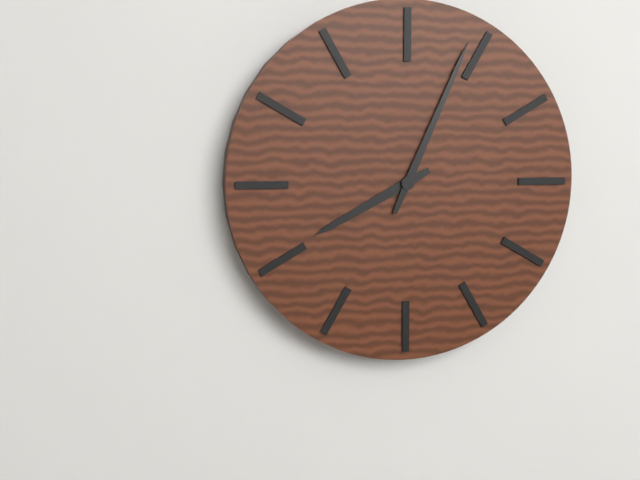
8.04
